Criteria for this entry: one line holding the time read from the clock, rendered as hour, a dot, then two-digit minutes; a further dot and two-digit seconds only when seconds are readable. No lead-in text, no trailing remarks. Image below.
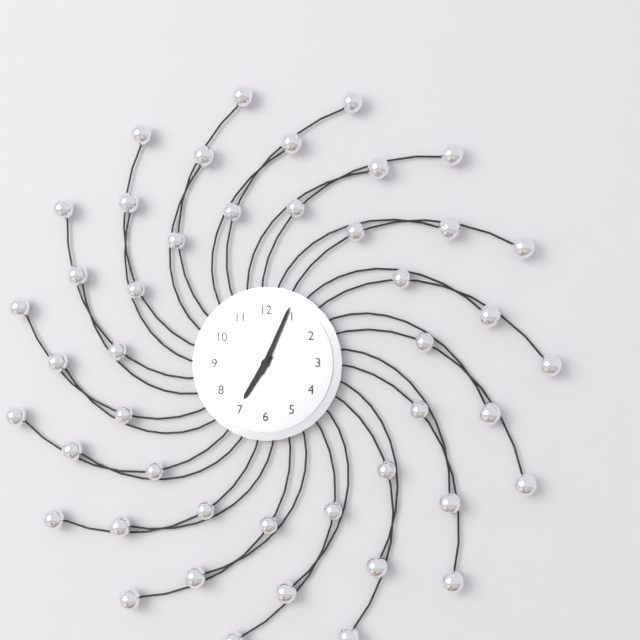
7.04
